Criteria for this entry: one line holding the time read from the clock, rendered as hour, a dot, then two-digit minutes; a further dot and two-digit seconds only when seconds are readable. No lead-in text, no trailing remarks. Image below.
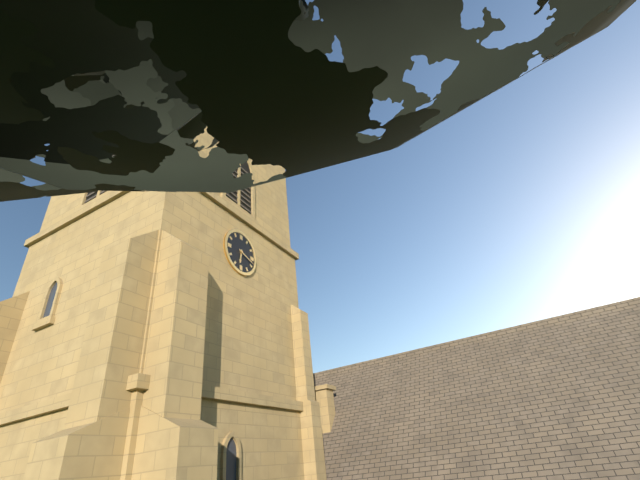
6.18
